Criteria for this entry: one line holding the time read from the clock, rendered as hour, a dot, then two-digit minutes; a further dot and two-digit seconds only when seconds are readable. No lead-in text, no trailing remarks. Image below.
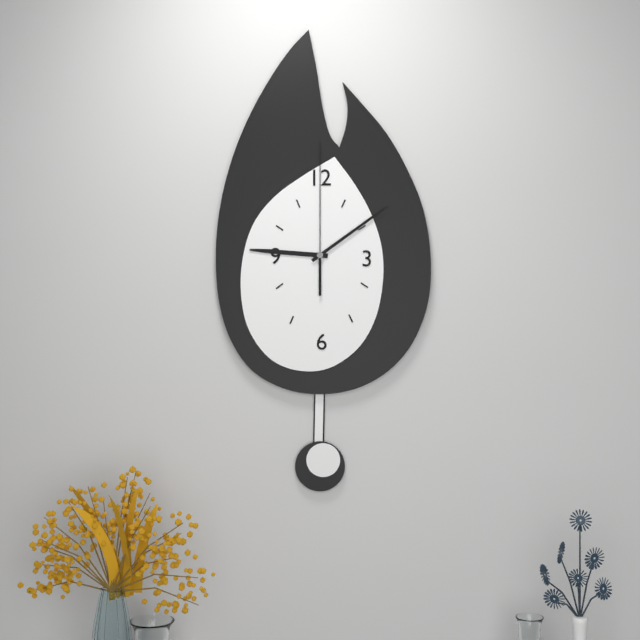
9.09.00
